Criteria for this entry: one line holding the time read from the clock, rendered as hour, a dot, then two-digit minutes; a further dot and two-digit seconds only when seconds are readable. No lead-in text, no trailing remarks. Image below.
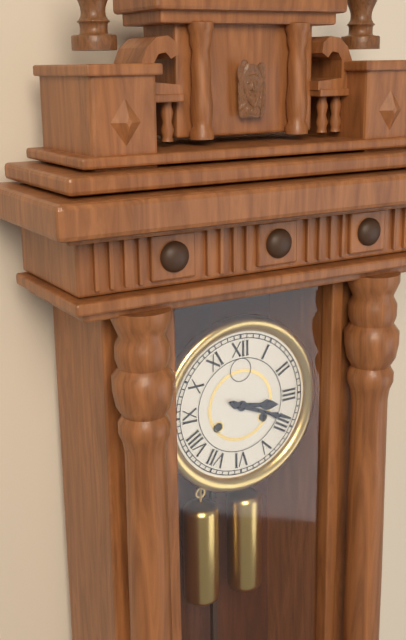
3.19
